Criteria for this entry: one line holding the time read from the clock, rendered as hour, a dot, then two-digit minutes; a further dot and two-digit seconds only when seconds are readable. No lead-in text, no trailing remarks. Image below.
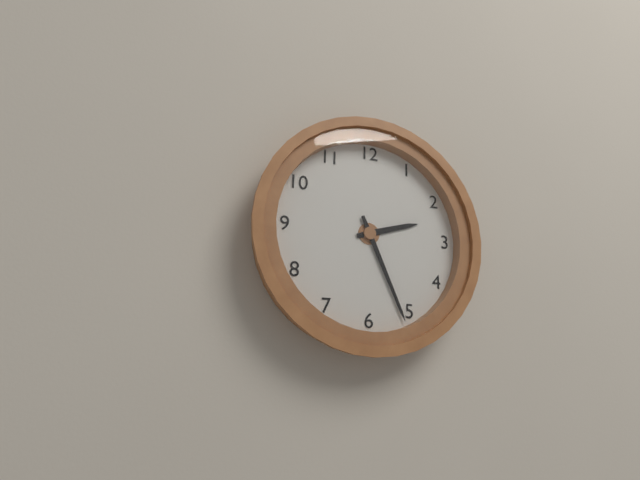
2.26
